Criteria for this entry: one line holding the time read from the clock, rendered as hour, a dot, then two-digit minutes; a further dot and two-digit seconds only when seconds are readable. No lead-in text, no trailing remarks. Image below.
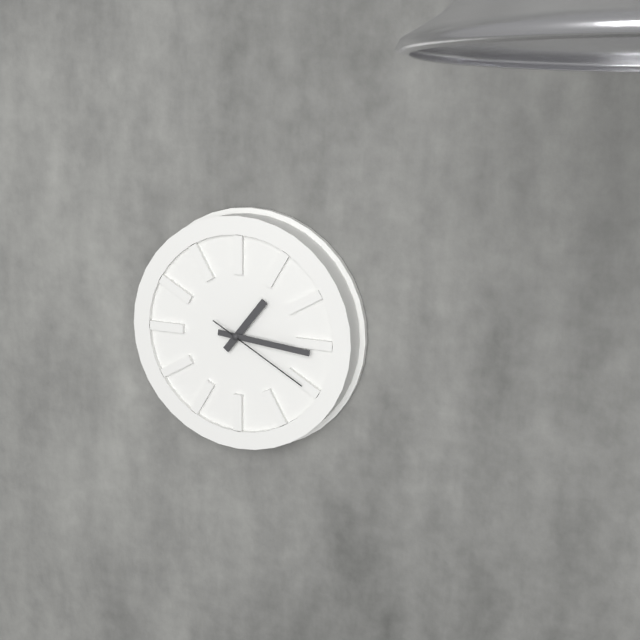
1.16.20
